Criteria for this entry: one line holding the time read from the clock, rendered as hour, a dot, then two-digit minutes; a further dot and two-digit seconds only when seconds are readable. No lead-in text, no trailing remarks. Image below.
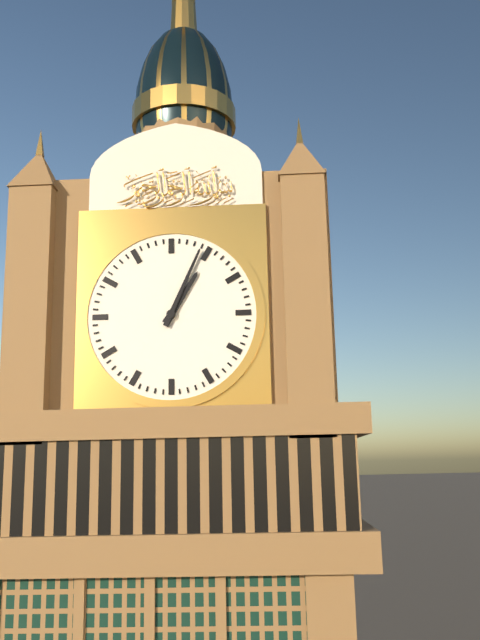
1.04
